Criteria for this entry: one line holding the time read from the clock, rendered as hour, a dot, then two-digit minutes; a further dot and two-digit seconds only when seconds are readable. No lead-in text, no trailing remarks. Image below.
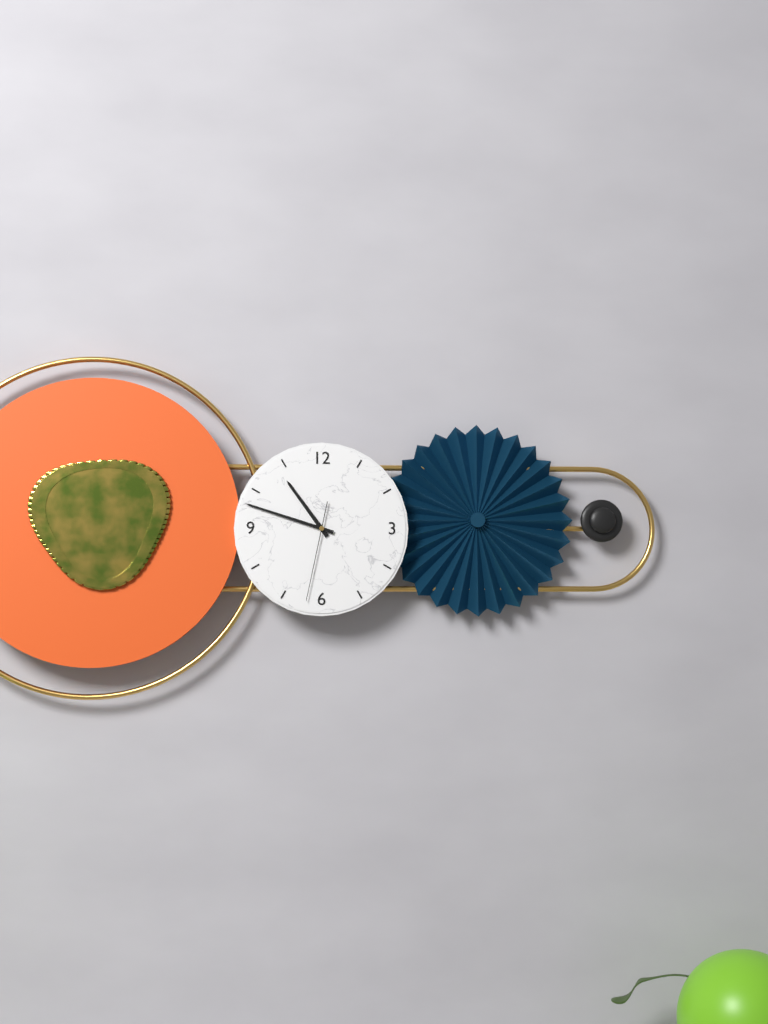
10.48.32
